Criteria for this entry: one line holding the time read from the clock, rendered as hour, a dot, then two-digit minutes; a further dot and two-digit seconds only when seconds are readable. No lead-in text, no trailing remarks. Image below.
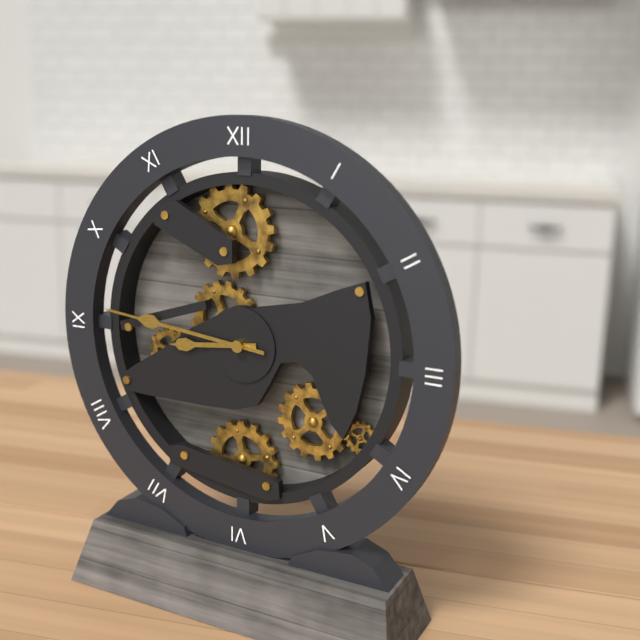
8.46
